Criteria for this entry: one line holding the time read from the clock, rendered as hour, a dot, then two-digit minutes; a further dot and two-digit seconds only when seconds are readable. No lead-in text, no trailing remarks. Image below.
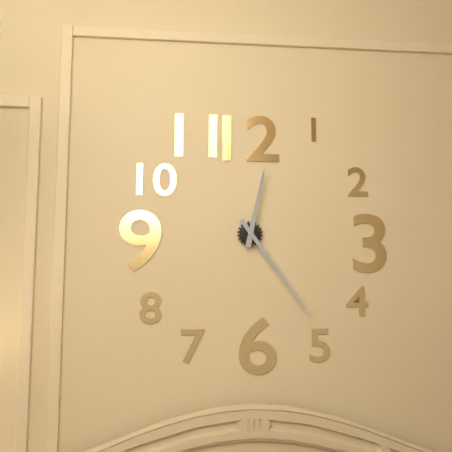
12.24
